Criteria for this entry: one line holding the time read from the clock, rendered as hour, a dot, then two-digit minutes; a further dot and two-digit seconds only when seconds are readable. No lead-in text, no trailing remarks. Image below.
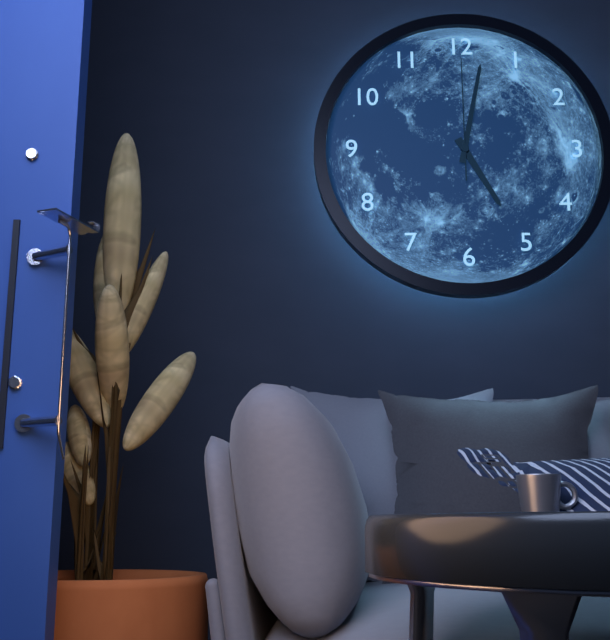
5.02.00
